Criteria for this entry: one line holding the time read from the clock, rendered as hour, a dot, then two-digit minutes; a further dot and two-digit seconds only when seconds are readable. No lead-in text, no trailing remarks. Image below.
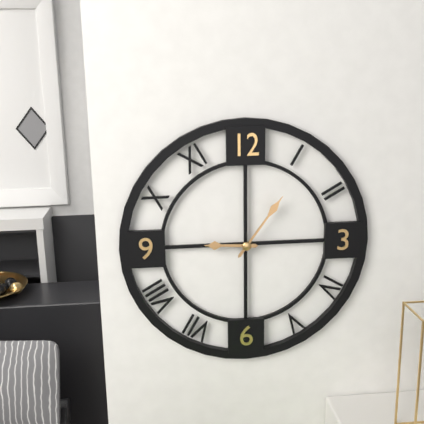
9.06
